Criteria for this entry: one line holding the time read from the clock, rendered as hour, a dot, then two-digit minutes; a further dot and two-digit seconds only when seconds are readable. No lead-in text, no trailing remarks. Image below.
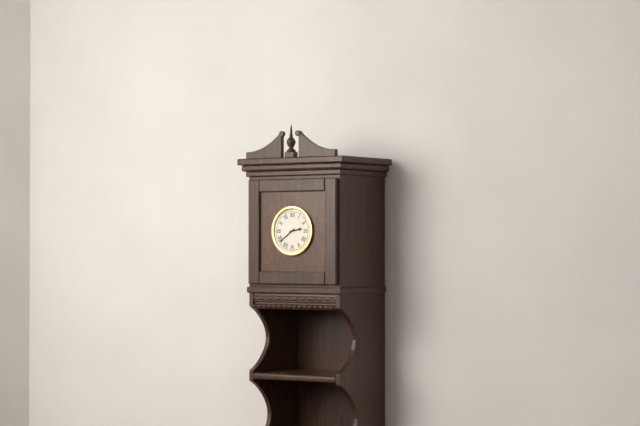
2.39
